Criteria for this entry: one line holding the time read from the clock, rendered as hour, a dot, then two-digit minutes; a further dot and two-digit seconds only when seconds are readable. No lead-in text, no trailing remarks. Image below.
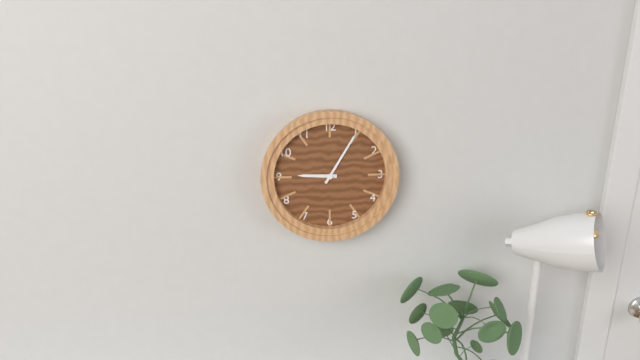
9.05
